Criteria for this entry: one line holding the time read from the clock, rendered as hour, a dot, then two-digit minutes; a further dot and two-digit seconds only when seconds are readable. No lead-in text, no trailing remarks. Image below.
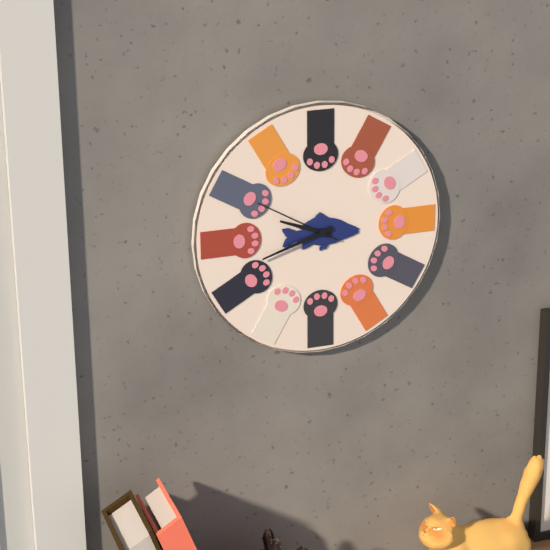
9.42.50
